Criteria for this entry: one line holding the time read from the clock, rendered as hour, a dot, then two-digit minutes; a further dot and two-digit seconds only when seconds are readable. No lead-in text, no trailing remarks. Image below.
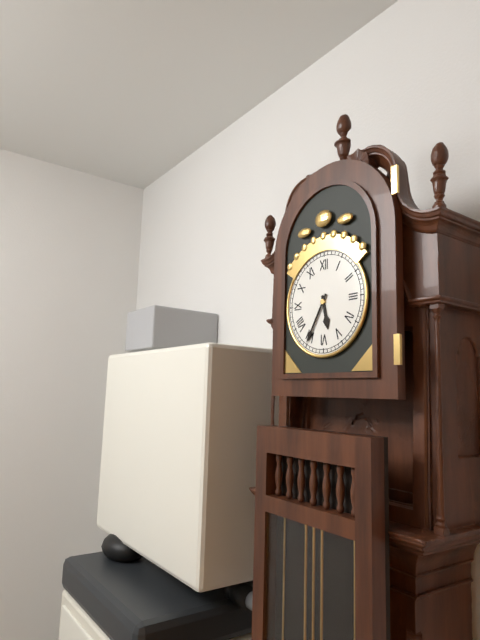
5.35
